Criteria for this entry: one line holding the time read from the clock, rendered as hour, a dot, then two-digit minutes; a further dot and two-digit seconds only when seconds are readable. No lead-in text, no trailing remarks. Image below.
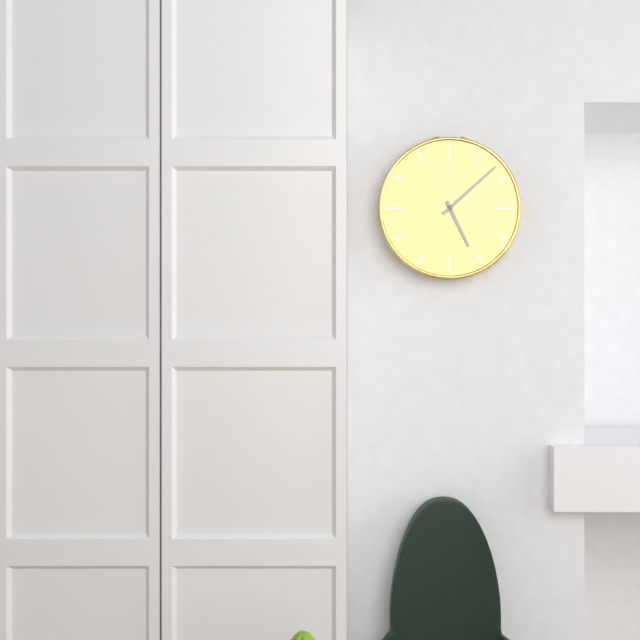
5.08
